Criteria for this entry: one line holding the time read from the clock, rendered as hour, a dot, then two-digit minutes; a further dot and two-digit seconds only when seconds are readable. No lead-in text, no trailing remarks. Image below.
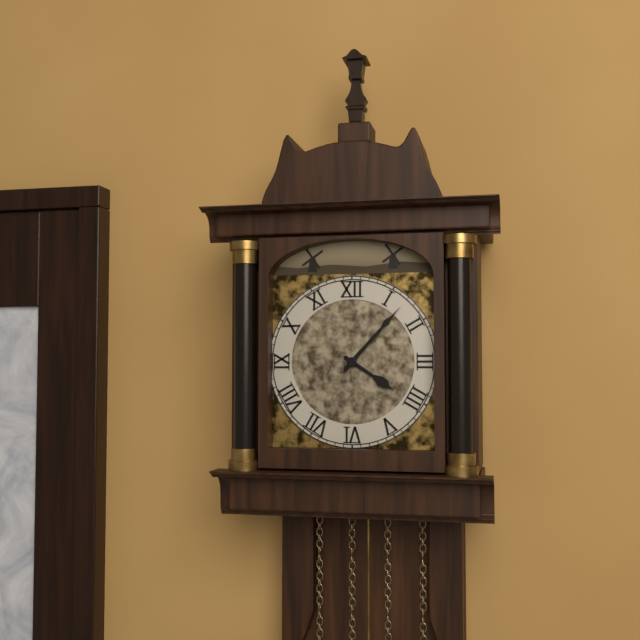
4.07
